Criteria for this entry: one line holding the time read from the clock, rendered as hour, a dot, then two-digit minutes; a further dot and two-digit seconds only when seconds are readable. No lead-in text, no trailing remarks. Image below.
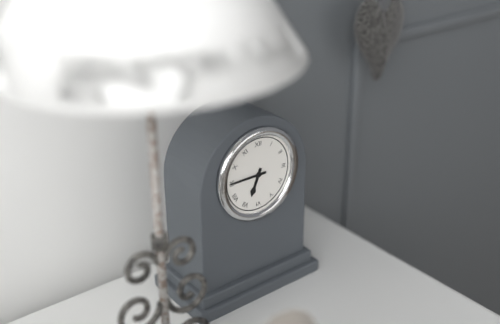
6.45
